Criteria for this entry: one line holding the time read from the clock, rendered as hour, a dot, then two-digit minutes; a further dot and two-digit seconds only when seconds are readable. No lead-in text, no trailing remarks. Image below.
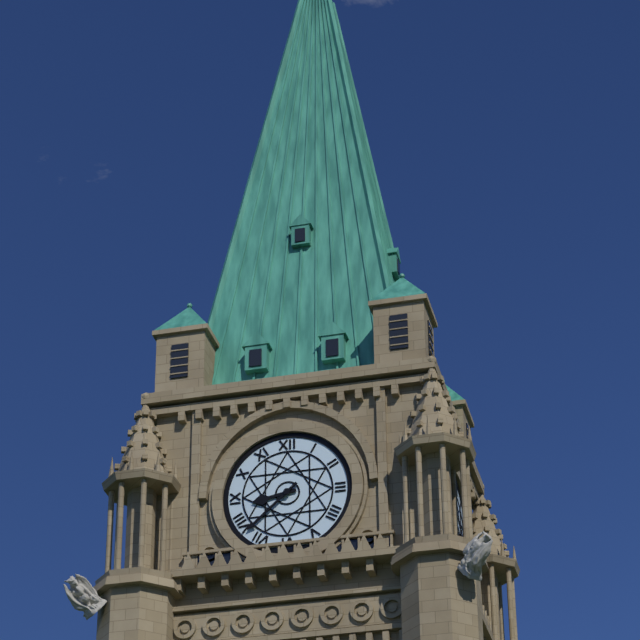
8.38
